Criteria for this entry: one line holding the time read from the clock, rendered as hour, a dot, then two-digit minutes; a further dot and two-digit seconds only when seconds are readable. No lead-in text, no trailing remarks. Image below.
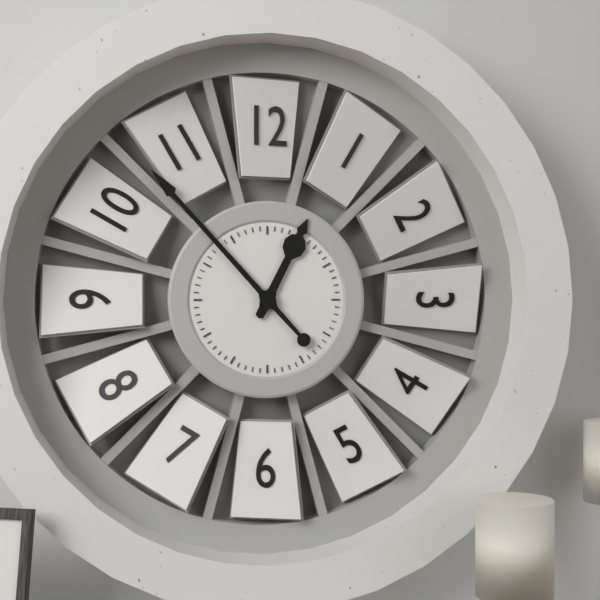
12.53
